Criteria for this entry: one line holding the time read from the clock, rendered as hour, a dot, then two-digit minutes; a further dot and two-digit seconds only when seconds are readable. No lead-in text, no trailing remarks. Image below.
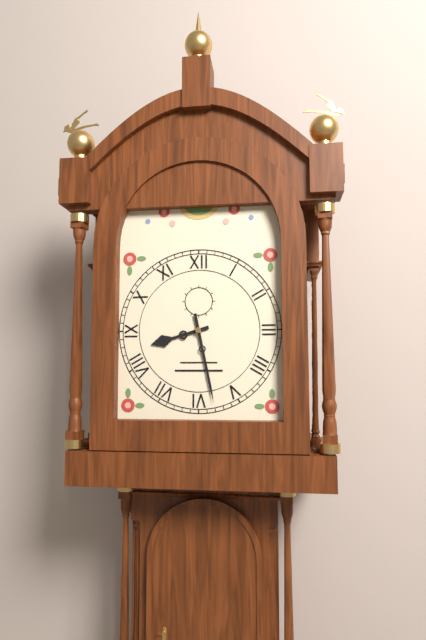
8.28
